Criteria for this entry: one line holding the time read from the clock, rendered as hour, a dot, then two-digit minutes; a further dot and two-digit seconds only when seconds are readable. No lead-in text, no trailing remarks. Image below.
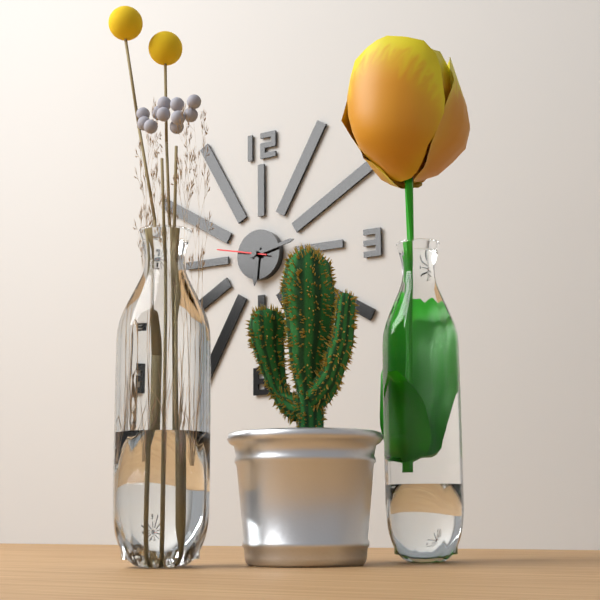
6.13.47
